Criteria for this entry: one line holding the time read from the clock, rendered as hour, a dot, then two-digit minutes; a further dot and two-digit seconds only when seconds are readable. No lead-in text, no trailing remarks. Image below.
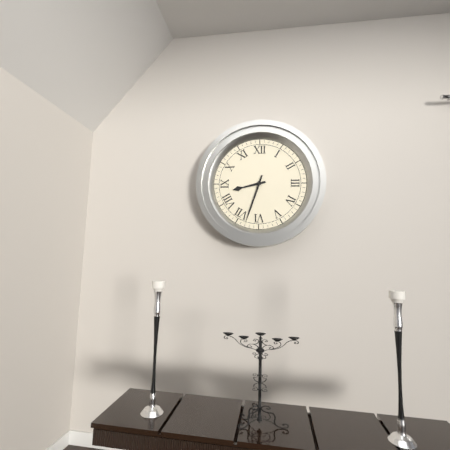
8.33
